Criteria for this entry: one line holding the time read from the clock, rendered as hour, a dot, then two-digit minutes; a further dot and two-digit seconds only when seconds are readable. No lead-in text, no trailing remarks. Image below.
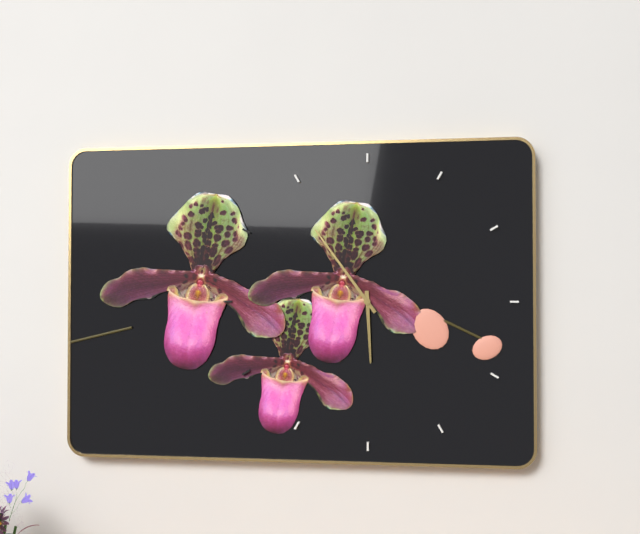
5.54
